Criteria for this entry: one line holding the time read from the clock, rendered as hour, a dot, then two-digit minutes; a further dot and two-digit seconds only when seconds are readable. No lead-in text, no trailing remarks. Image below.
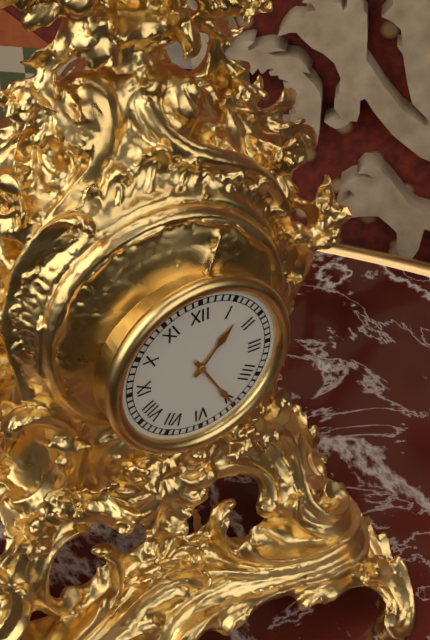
1.25
